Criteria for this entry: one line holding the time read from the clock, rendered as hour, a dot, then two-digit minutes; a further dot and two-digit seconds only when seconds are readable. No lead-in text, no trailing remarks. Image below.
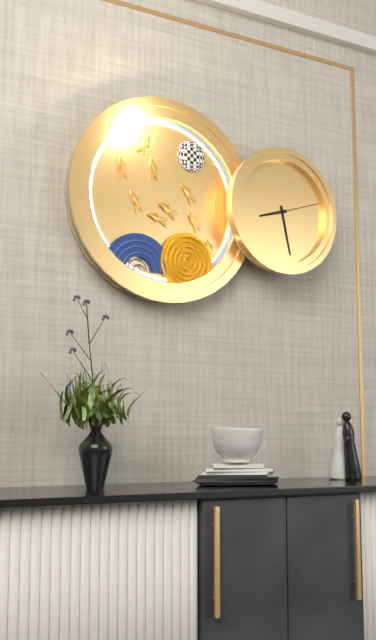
8.28
